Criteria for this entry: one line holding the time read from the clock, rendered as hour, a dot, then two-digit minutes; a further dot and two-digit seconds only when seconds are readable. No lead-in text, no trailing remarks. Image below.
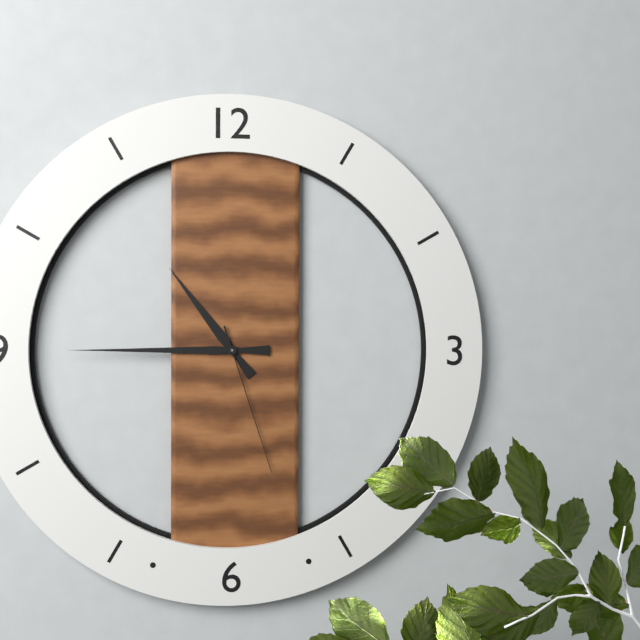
10.45.27
